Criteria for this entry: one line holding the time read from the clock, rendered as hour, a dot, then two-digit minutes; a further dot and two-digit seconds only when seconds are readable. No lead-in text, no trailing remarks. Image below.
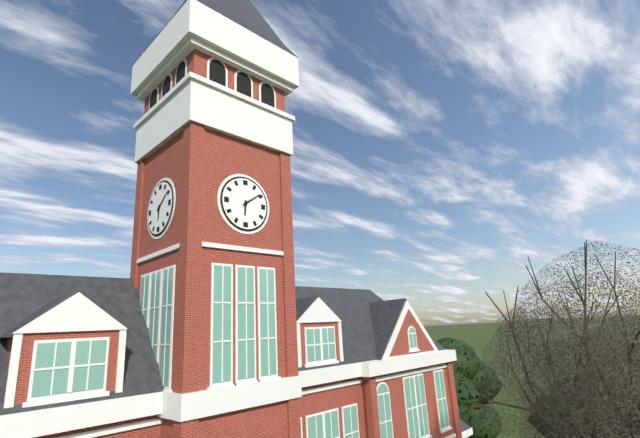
6.09
